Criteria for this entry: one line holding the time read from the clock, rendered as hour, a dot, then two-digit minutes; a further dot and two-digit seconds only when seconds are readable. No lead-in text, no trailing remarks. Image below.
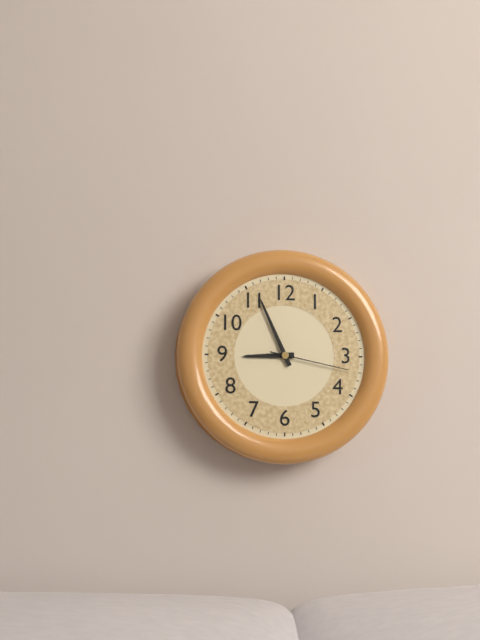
8.56.17
